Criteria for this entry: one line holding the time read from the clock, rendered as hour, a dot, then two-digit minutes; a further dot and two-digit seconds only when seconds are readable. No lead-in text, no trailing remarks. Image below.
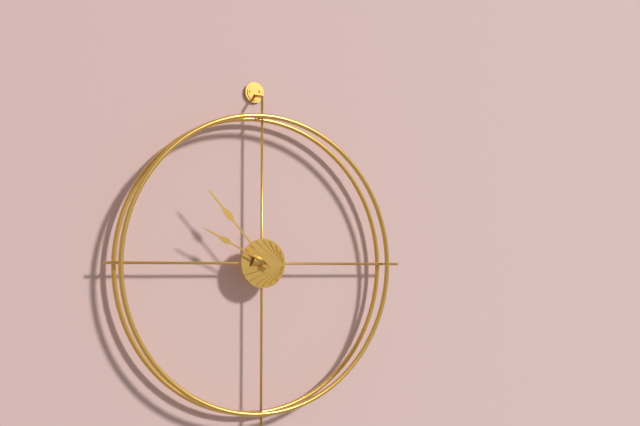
9.53
